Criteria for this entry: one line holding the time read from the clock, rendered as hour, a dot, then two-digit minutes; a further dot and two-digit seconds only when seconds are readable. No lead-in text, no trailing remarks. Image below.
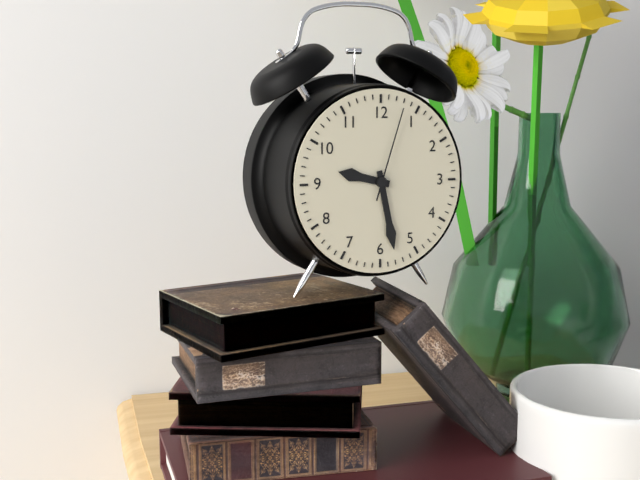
9.28.03
